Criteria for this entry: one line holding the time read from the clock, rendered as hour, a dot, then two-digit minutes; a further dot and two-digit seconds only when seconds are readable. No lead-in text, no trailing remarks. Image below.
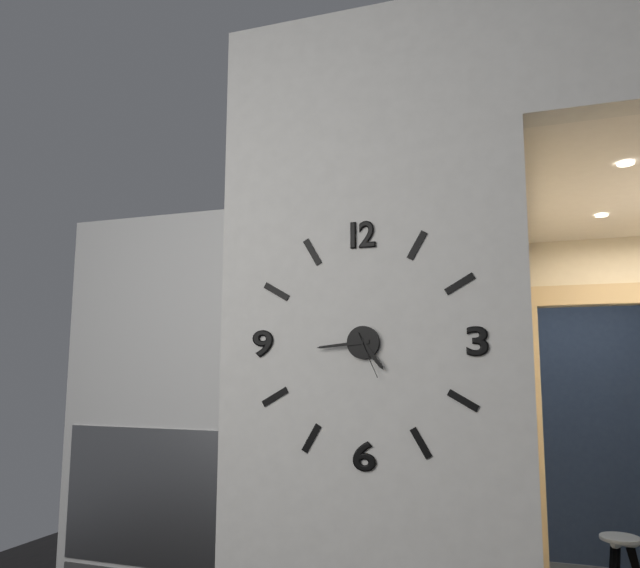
4.44
